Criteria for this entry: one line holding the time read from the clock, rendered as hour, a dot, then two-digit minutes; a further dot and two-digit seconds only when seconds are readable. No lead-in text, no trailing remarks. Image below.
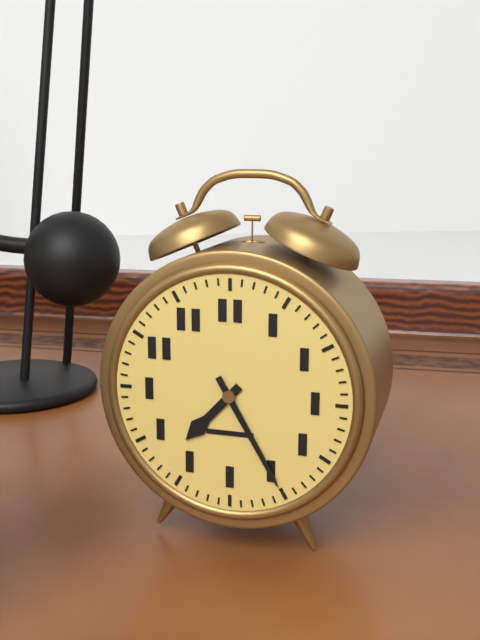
7.25
